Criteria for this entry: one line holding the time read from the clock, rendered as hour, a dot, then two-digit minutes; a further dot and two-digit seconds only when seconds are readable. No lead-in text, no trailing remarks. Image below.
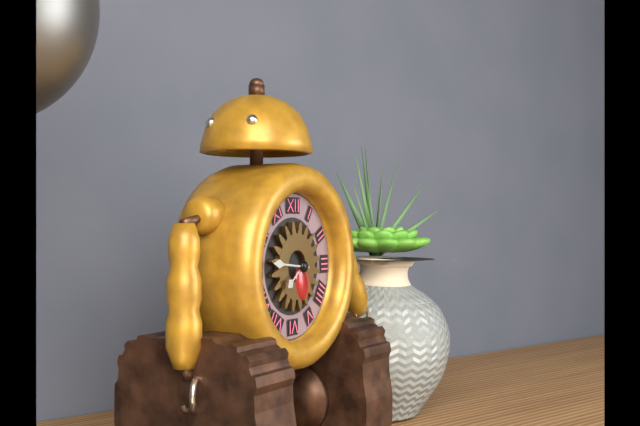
7.46
